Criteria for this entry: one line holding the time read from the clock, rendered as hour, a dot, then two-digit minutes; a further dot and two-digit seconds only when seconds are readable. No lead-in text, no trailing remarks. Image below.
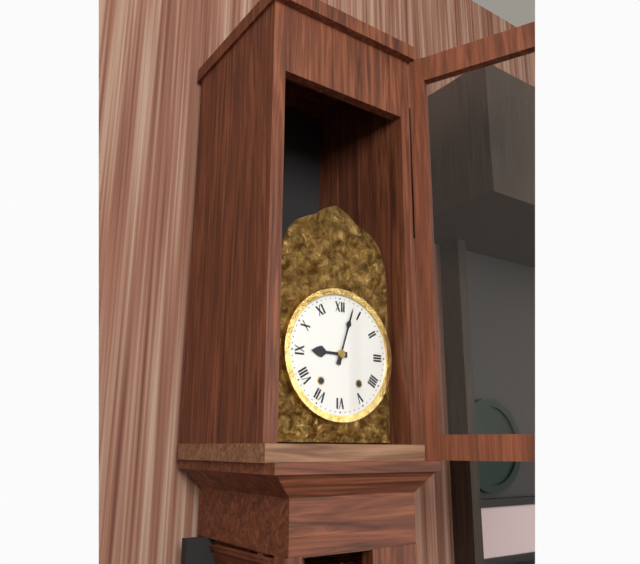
9.03
